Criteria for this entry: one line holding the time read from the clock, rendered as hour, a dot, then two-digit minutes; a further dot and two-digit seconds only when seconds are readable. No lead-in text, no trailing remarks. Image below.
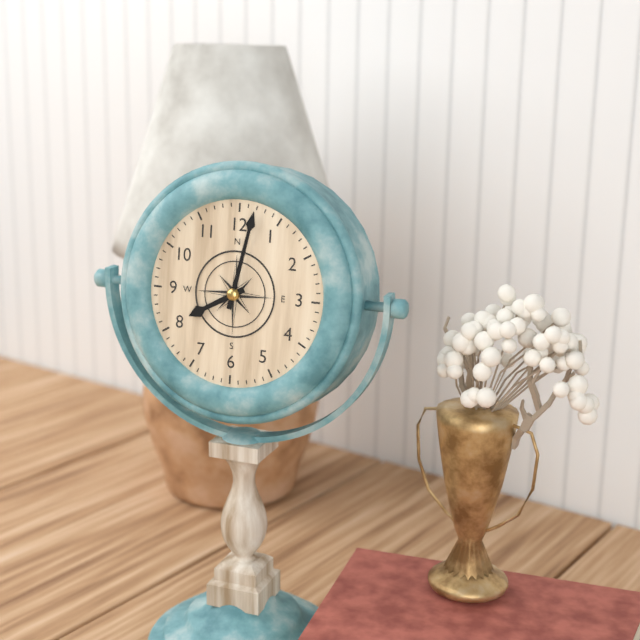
8.02
